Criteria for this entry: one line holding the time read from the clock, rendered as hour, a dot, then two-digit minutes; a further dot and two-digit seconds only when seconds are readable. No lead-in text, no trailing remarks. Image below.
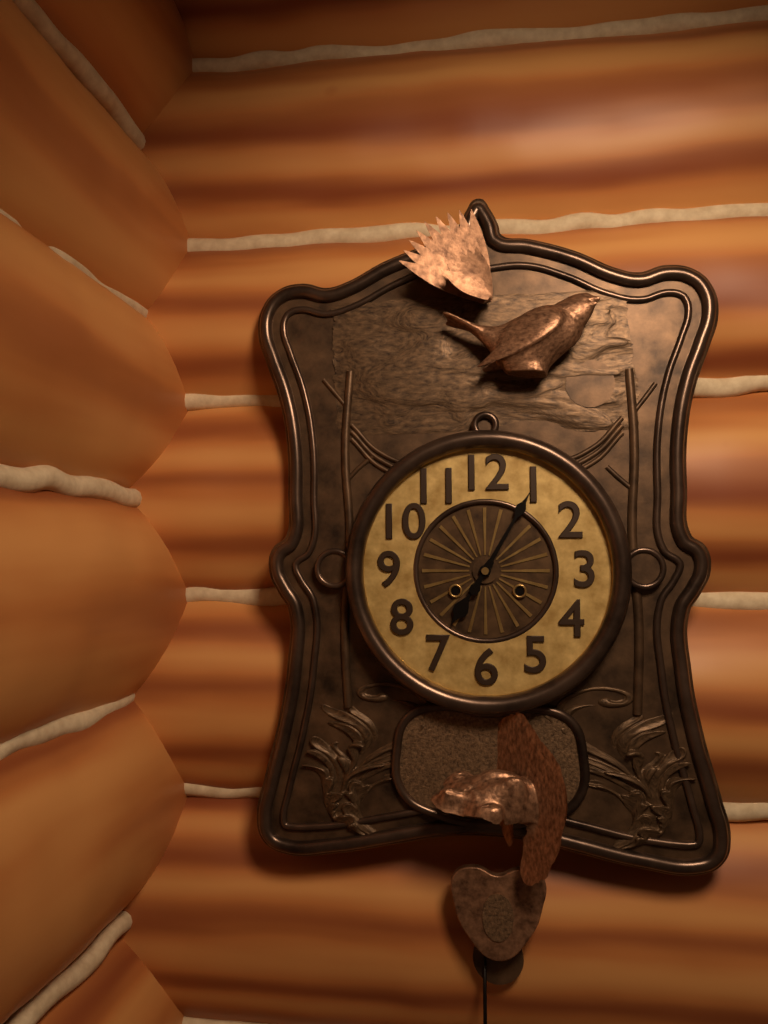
7.05
